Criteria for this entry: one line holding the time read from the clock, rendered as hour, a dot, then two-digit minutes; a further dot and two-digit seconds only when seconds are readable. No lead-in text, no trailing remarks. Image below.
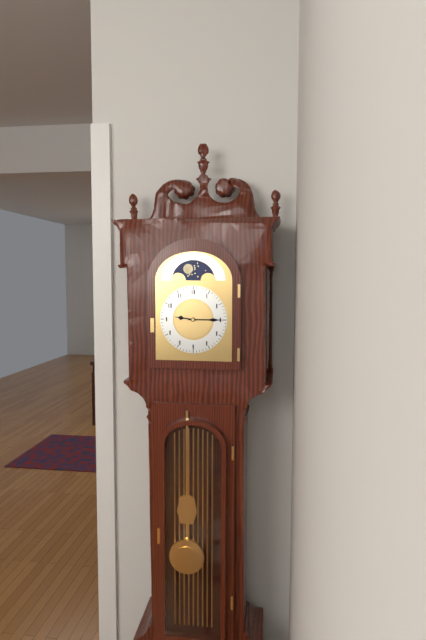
9.15
